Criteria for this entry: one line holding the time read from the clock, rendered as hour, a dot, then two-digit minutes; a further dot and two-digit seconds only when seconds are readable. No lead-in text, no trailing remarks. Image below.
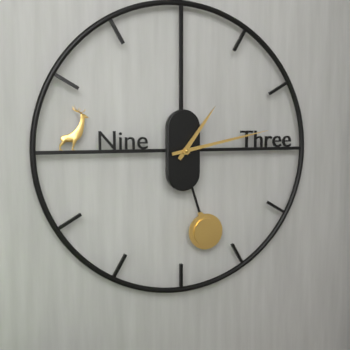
1.13
